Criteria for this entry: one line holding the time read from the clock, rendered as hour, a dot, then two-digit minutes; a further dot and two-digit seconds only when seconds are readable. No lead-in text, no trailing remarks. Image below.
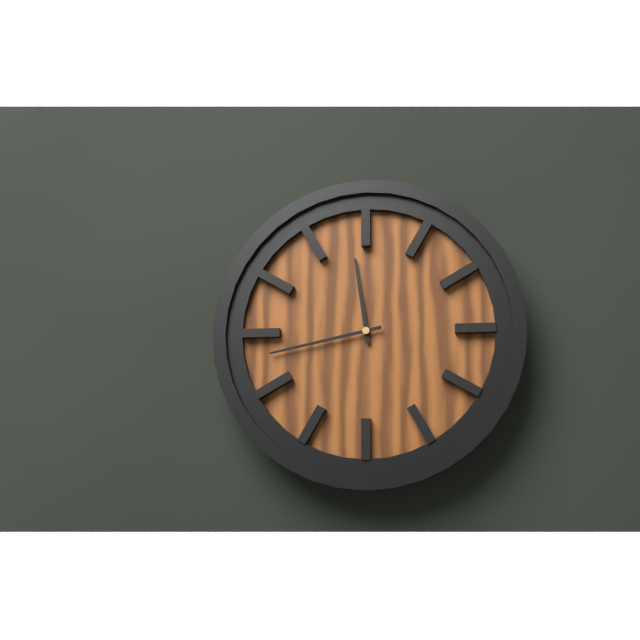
11.43
